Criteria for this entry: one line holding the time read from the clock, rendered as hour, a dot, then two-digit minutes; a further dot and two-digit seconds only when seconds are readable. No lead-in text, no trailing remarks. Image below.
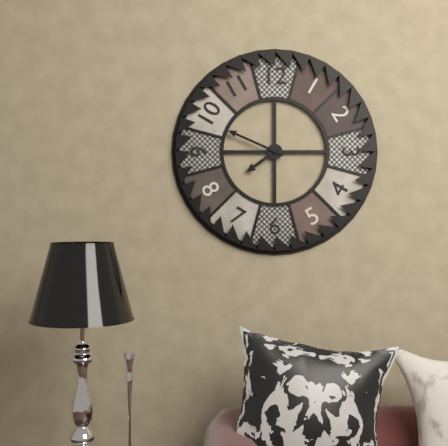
7.49
